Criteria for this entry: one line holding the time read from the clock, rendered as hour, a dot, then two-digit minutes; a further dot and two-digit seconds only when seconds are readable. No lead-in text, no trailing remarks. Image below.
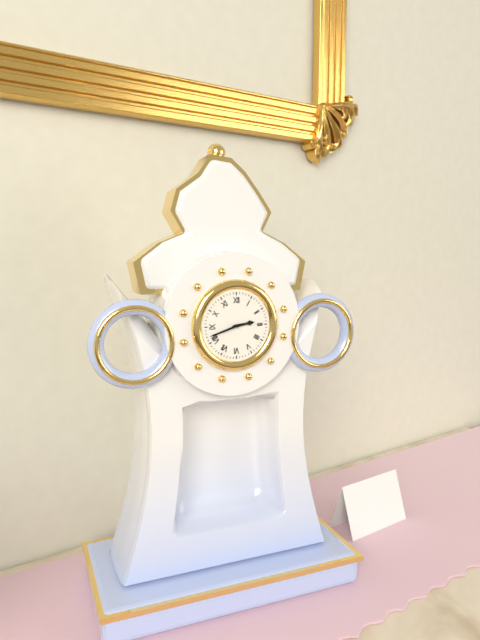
2.42
